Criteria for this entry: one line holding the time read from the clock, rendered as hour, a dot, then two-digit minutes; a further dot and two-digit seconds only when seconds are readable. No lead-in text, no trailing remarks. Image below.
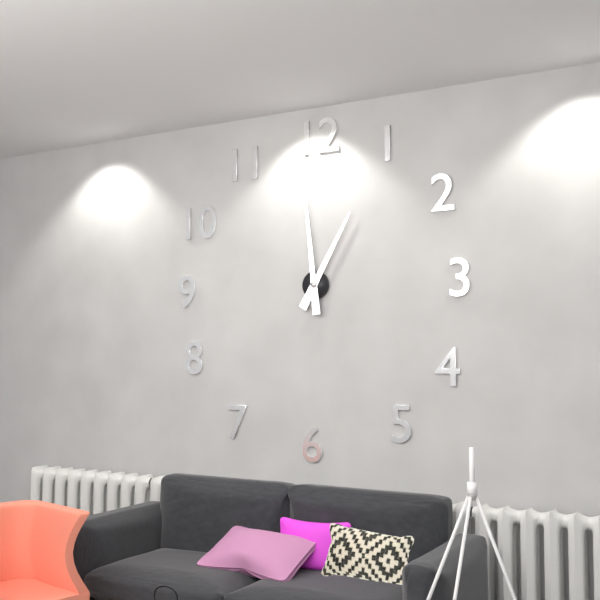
12.59
